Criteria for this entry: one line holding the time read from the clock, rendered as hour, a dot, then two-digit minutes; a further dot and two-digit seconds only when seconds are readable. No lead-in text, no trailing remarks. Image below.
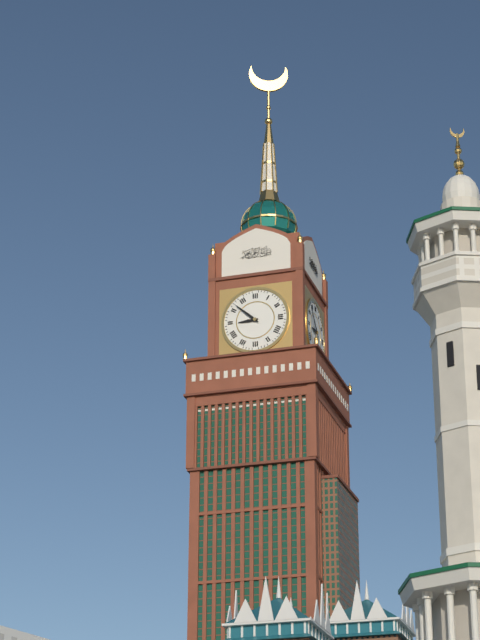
8.52
